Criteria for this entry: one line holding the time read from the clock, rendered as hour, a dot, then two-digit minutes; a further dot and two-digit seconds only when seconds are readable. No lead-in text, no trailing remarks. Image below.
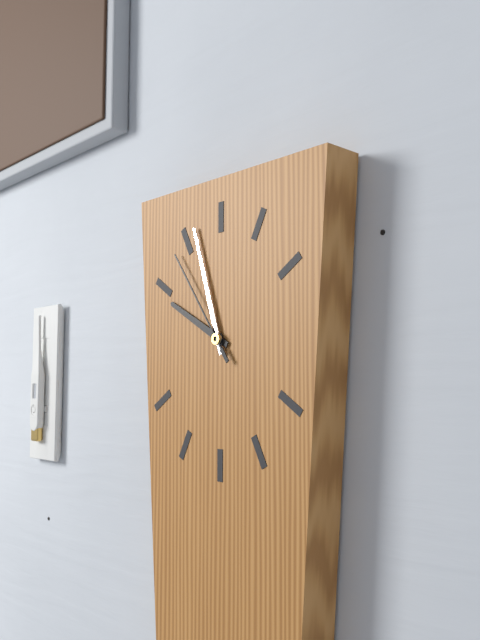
9.57.54
